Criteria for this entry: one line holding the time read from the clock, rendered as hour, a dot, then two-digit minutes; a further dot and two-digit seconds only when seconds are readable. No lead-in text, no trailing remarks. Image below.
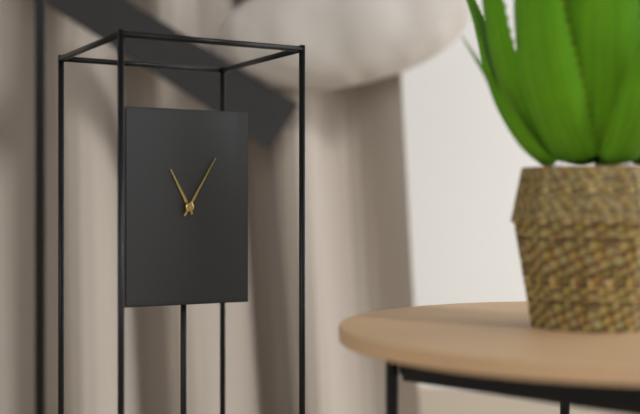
11.05
